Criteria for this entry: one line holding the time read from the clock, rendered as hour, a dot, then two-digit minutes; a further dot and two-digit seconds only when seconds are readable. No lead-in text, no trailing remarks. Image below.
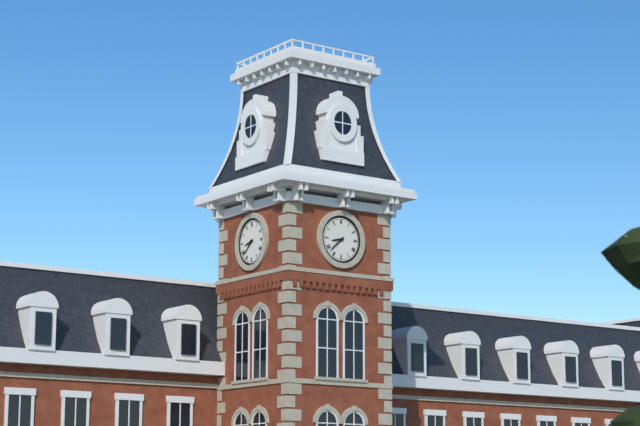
8.38
